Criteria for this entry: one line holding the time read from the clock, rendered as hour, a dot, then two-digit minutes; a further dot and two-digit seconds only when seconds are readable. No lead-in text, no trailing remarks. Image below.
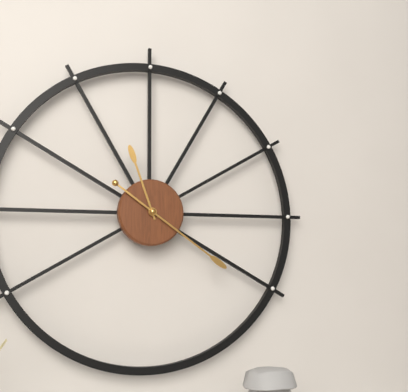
11.21
